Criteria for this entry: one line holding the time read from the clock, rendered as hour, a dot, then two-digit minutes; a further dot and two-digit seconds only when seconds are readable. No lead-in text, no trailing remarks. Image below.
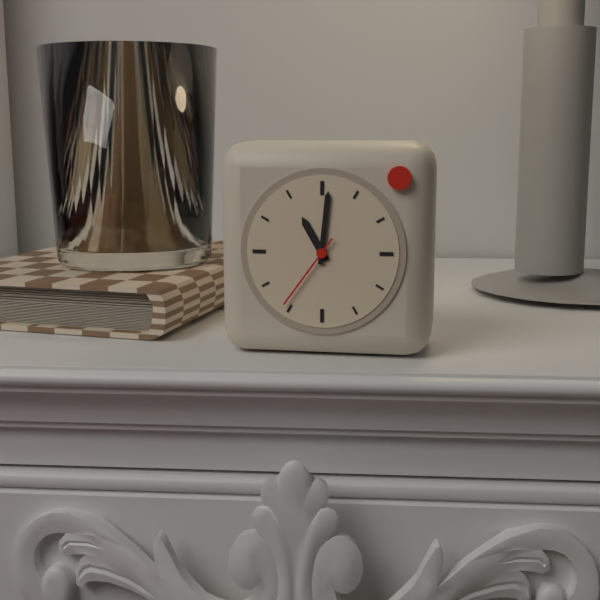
11.01.36
